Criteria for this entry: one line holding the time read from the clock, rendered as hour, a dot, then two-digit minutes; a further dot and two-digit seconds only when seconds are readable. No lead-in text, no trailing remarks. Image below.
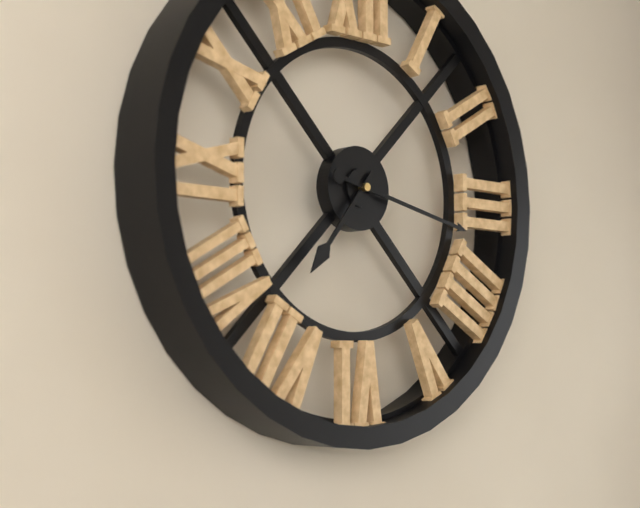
7.17
